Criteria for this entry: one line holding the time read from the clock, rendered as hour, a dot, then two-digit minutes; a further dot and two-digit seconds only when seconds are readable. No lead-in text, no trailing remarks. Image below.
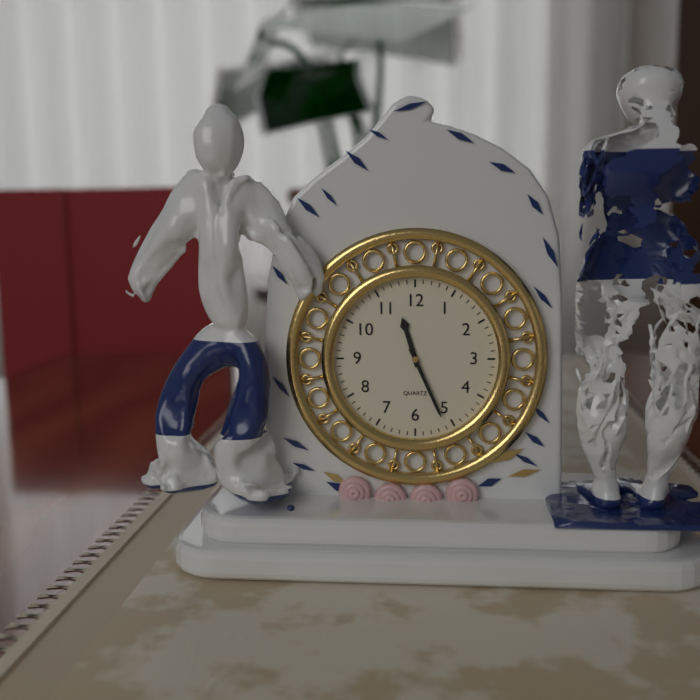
11.26
